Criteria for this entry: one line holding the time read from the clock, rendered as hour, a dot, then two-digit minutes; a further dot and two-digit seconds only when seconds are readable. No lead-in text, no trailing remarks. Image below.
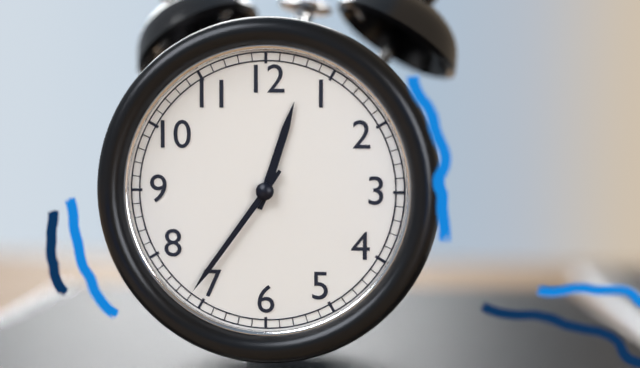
12.36
